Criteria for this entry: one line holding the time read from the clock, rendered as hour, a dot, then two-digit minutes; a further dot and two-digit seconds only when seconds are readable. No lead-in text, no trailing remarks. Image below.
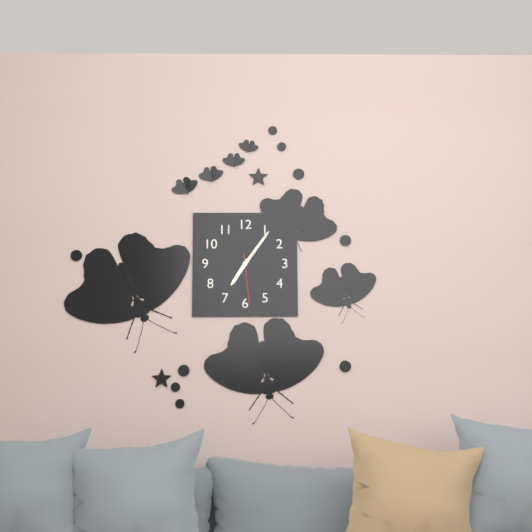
7.06.29
